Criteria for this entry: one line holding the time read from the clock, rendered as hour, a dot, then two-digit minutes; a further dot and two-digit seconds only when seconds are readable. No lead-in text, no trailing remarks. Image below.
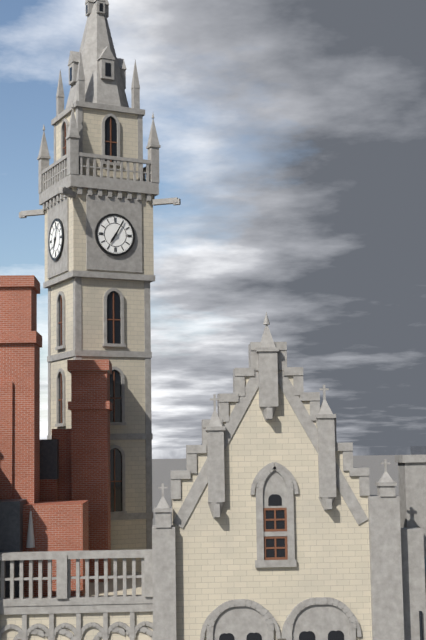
7.05
